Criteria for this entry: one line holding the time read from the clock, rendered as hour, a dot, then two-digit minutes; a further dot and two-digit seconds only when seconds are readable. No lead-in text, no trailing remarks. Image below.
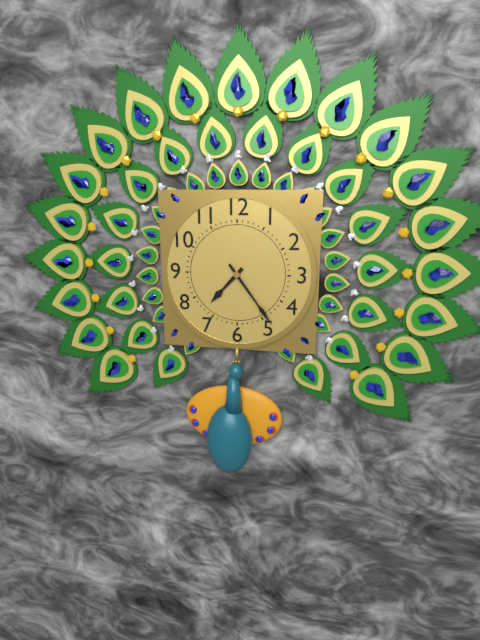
7.24
